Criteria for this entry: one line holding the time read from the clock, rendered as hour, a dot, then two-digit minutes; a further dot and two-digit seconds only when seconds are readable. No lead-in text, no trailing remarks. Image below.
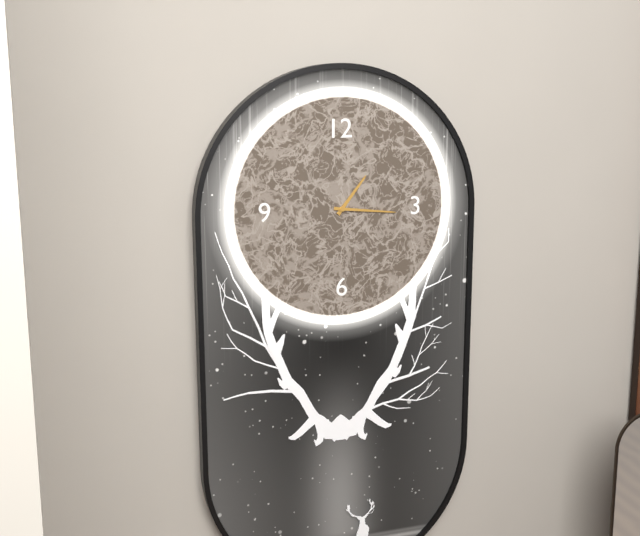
1.16
